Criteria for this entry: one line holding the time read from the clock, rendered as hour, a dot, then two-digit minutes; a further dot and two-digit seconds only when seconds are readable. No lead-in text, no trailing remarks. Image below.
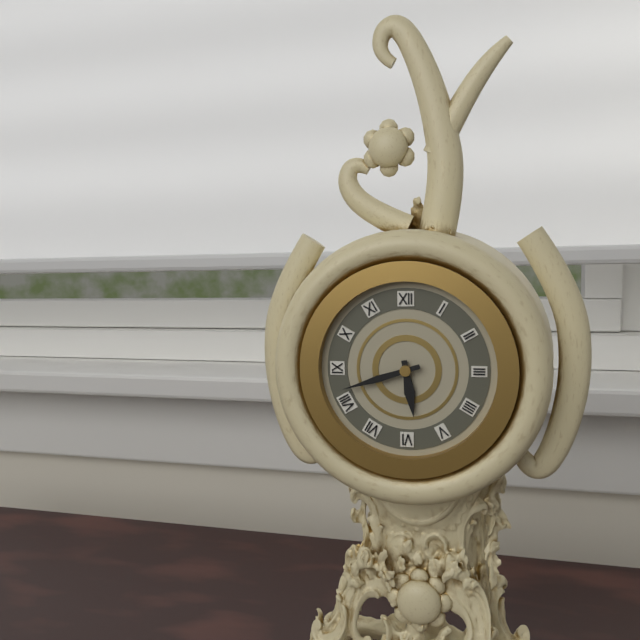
5.42
